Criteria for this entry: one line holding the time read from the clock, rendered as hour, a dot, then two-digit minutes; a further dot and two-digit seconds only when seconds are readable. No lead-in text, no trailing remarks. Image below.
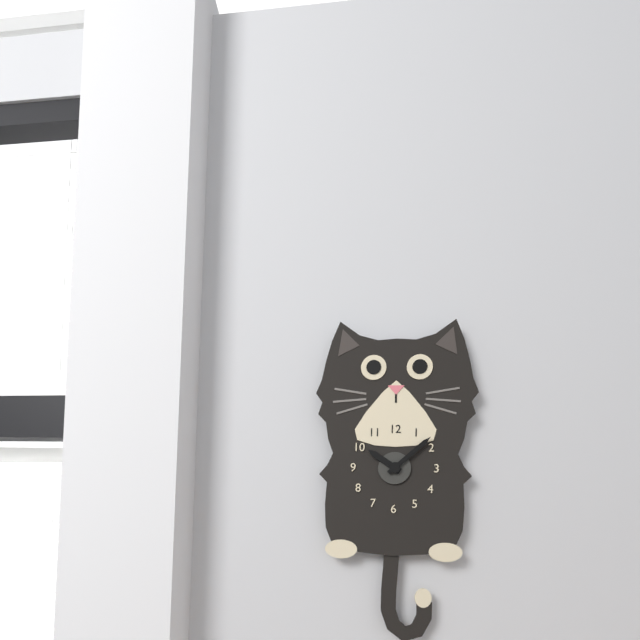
10.08
